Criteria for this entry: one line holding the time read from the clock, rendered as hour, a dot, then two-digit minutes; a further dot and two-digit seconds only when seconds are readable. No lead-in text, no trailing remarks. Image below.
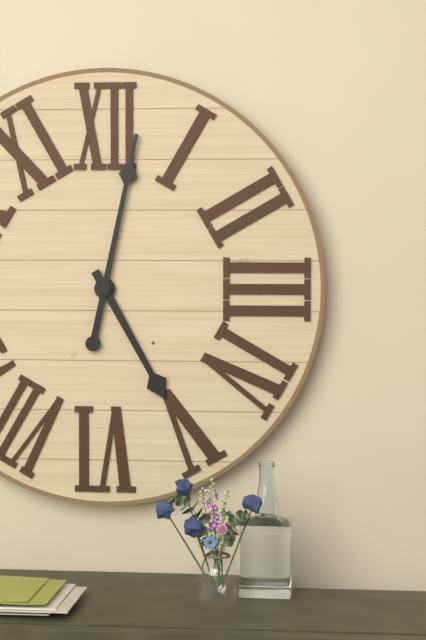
5.02
